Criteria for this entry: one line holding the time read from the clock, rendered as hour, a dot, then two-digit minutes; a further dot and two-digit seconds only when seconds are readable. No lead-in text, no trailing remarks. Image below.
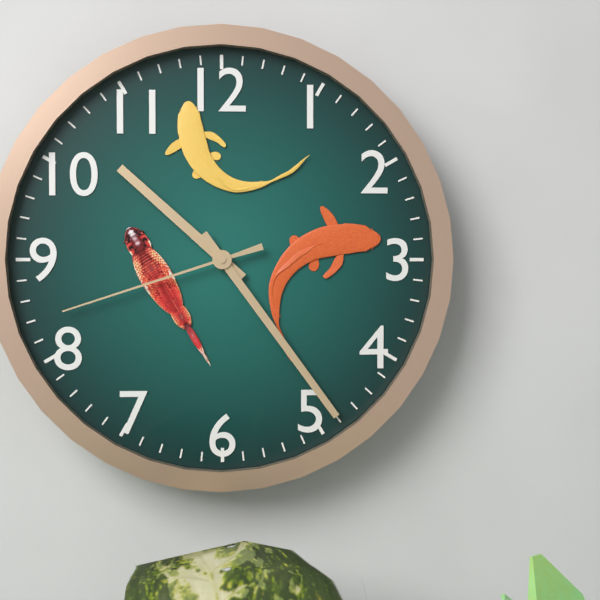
10.24.42
